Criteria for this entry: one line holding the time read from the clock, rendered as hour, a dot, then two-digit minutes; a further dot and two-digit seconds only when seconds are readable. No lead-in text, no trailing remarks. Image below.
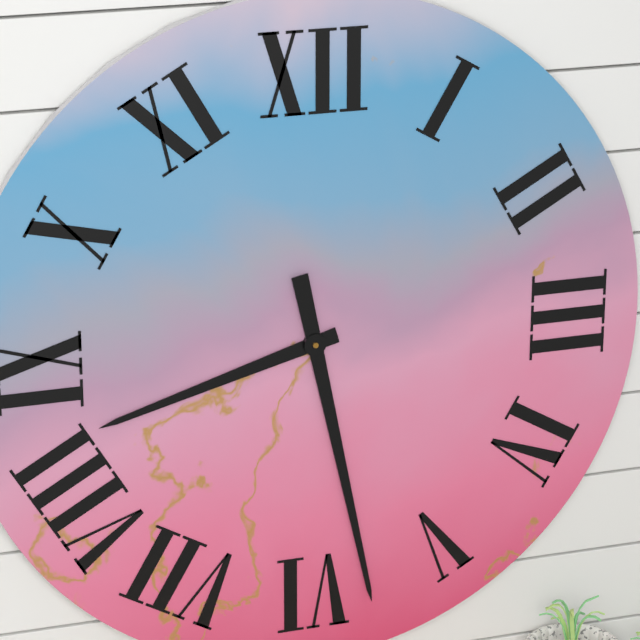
8.28
